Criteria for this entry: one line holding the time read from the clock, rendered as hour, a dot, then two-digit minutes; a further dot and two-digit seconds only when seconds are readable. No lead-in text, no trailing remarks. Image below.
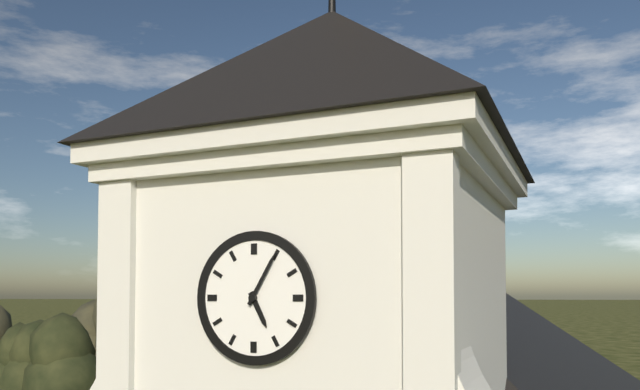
5.05
